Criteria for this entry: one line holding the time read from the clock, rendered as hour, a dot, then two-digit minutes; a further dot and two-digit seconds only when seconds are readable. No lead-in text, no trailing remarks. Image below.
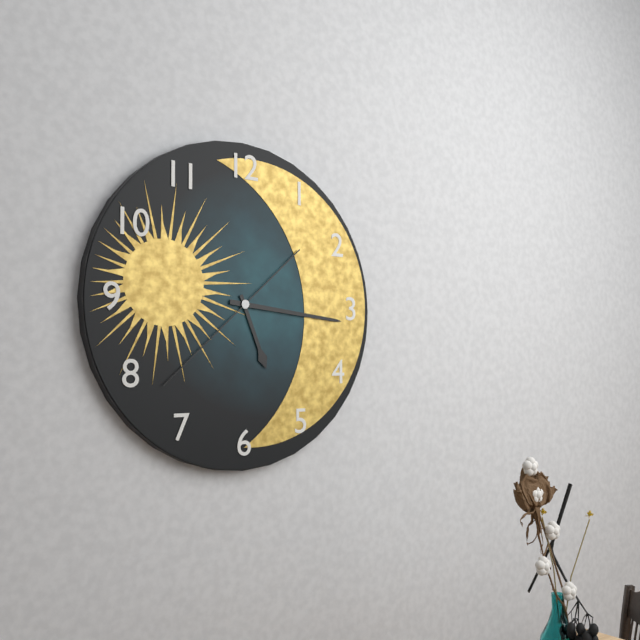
5.16.38
